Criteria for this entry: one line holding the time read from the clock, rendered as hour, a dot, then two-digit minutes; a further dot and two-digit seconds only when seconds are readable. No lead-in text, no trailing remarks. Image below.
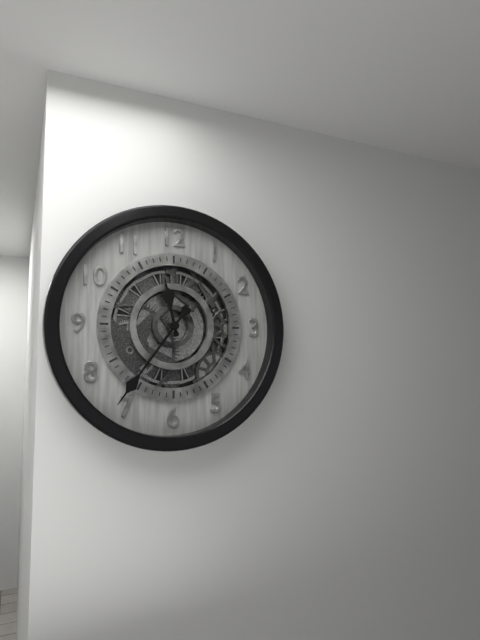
11.36
